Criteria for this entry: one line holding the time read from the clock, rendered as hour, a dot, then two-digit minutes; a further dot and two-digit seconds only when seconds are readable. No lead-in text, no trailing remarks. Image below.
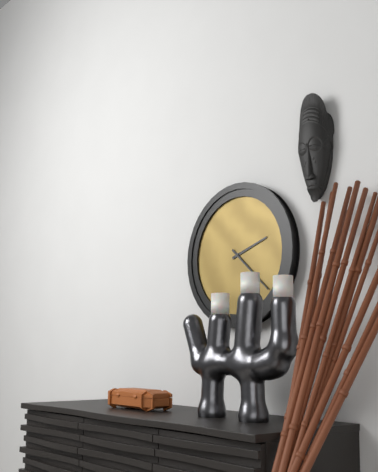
2.22
